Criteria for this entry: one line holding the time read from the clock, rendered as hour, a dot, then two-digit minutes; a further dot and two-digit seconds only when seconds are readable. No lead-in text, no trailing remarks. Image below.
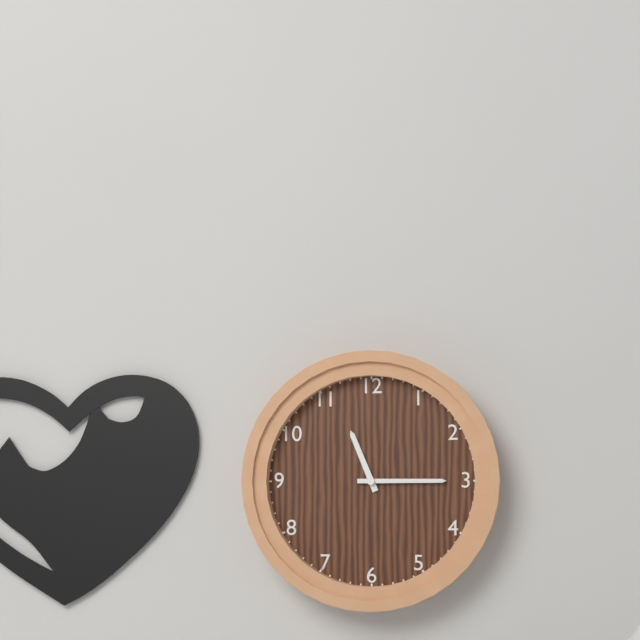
11.15
